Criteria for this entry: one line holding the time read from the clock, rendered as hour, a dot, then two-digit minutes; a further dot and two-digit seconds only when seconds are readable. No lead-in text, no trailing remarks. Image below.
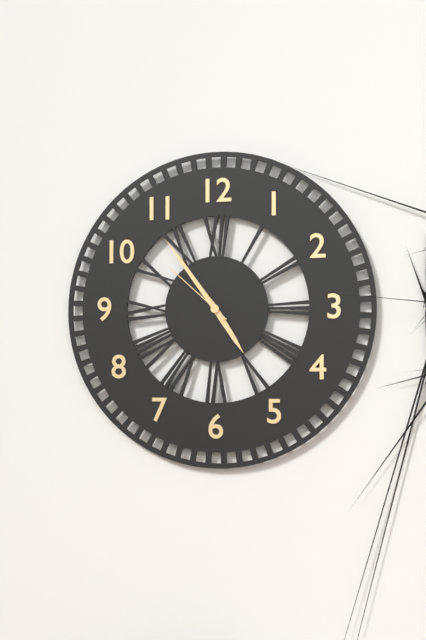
4.54.52
